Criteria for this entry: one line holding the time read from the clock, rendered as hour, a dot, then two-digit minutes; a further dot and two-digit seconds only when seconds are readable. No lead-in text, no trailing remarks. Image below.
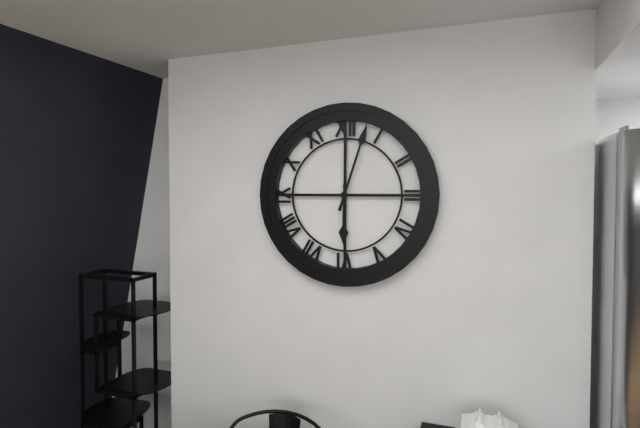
6.03
